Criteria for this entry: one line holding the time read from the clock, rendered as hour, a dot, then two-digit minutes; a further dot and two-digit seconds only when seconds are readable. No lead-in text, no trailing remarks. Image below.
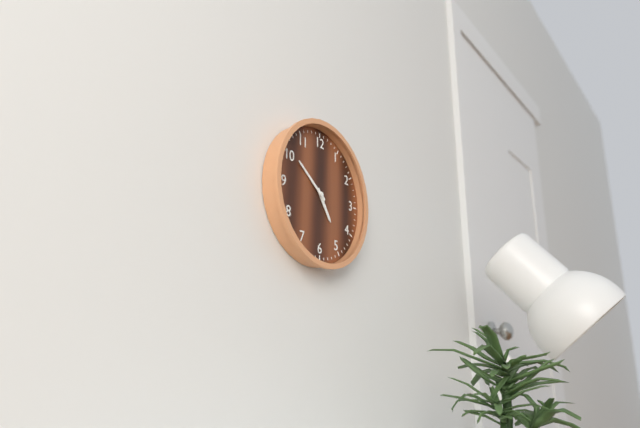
4.51
